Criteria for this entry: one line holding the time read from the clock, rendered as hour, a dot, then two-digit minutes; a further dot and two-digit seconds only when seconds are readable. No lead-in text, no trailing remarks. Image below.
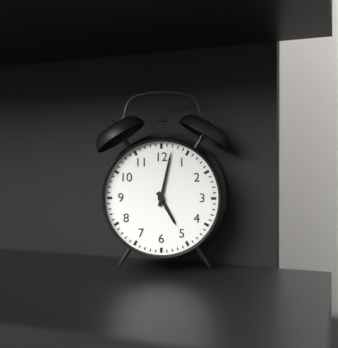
5.02
